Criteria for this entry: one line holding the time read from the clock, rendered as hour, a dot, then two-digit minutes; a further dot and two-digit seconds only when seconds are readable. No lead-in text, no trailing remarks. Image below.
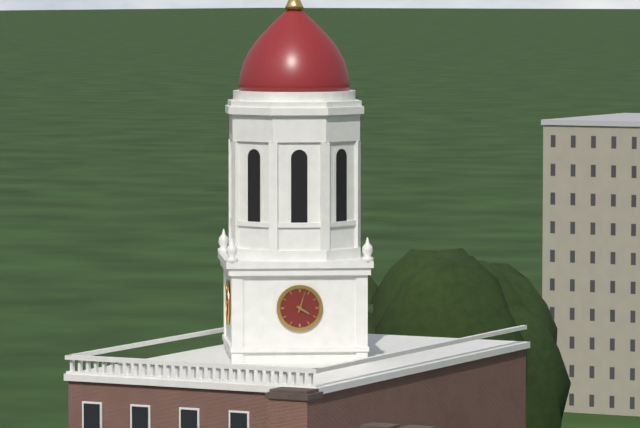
4.03
